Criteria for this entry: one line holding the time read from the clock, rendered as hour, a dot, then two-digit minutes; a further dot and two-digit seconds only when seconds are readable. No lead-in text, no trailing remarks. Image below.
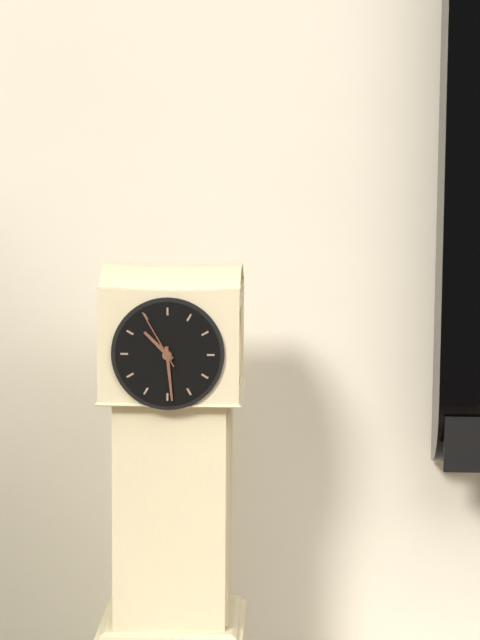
10.29.55
